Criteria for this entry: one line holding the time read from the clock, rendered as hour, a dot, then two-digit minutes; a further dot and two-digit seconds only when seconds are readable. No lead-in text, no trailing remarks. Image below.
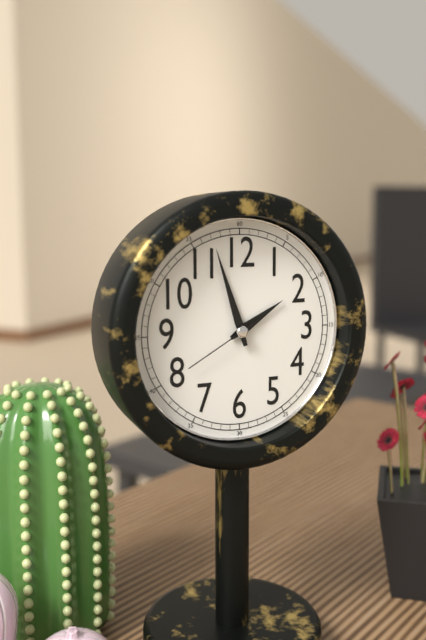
1.57.40
